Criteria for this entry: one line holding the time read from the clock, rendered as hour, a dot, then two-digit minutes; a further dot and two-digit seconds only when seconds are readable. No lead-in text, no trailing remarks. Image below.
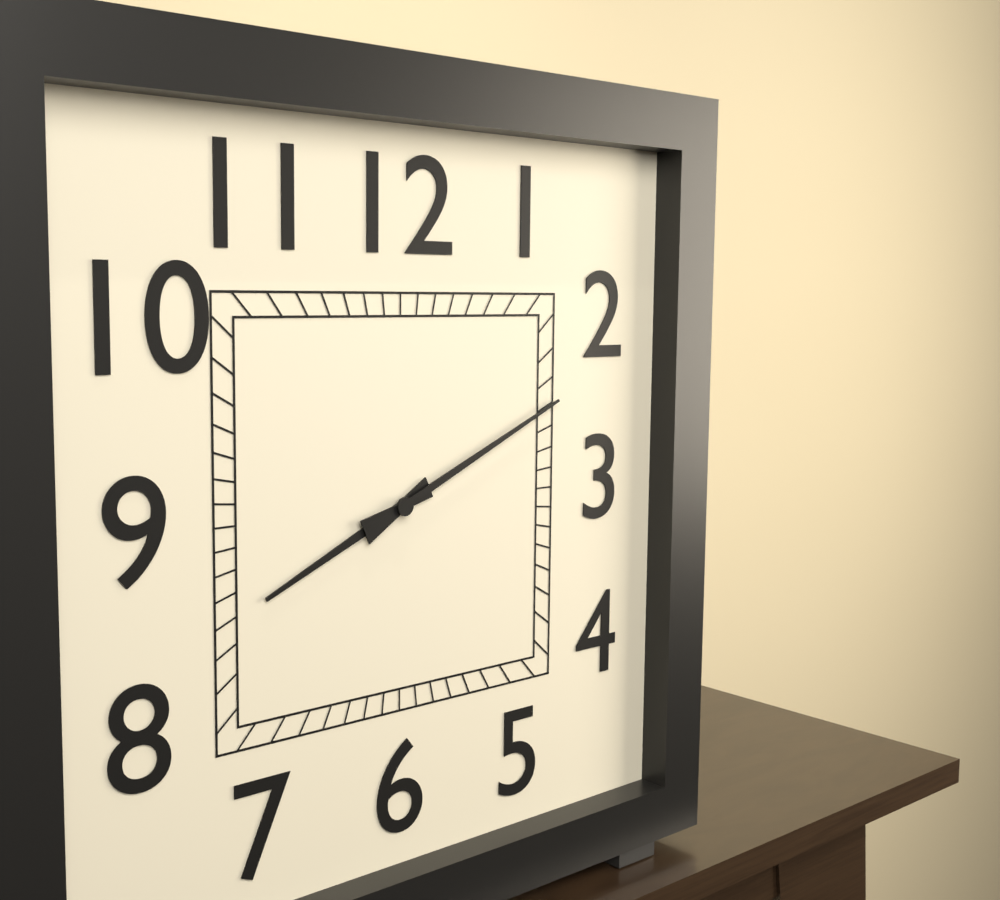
8.11
